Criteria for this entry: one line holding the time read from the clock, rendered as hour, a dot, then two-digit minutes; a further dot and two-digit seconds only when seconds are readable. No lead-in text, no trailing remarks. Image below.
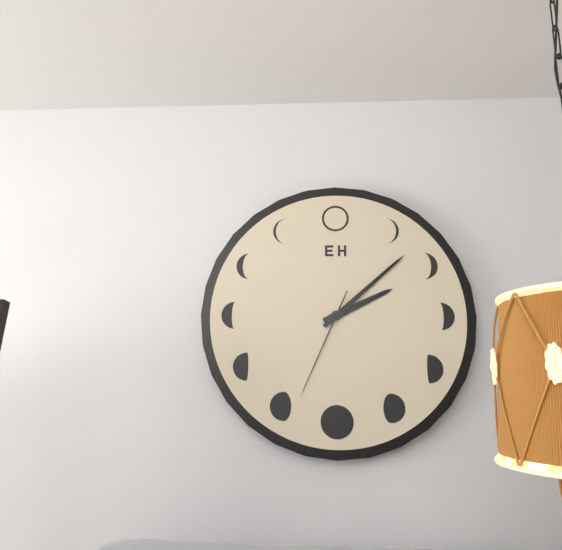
2.08.34
